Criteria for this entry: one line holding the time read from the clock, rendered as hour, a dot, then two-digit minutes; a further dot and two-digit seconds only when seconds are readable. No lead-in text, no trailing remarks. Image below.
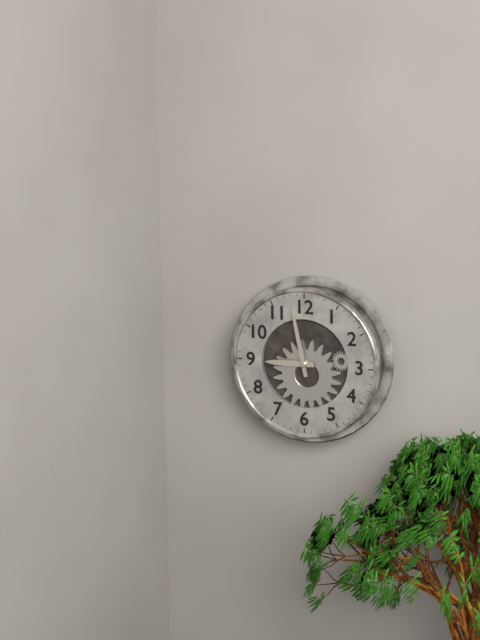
8.58
